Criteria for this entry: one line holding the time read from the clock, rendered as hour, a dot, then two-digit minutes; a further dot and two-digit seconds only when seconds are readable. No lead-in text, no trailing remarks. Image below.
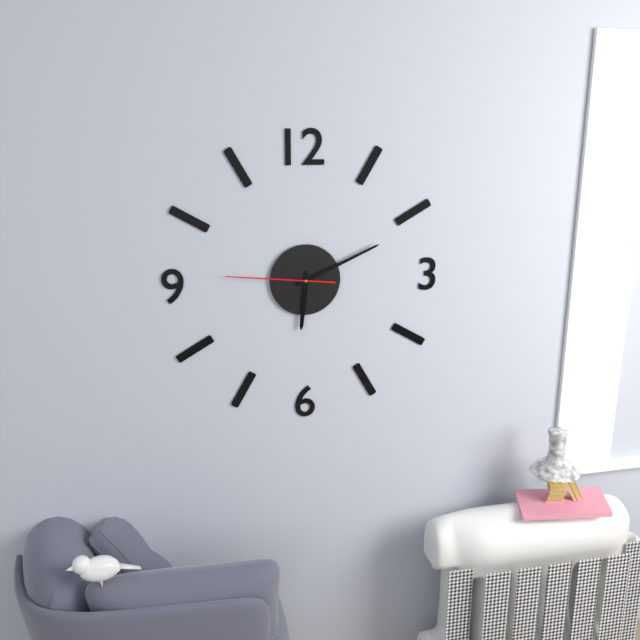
6.11.46
